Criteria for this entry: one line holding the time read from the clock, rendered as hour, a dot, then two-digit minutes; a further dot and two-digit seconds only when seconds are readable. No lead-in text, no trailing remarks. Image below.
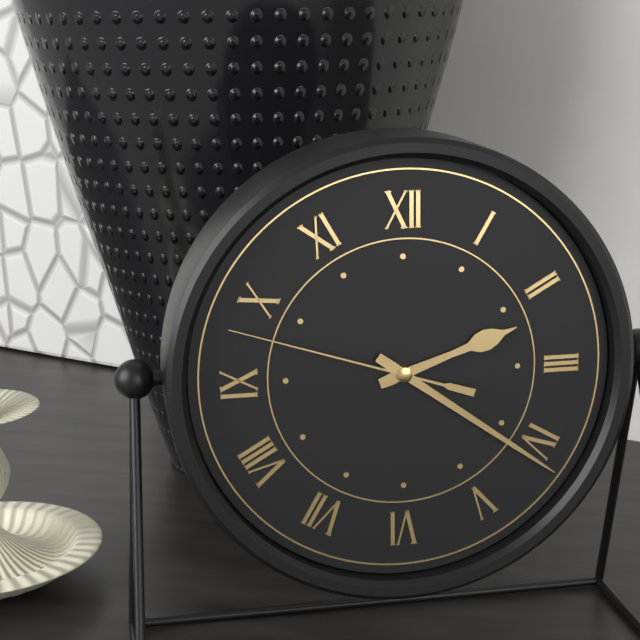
2.21.48
